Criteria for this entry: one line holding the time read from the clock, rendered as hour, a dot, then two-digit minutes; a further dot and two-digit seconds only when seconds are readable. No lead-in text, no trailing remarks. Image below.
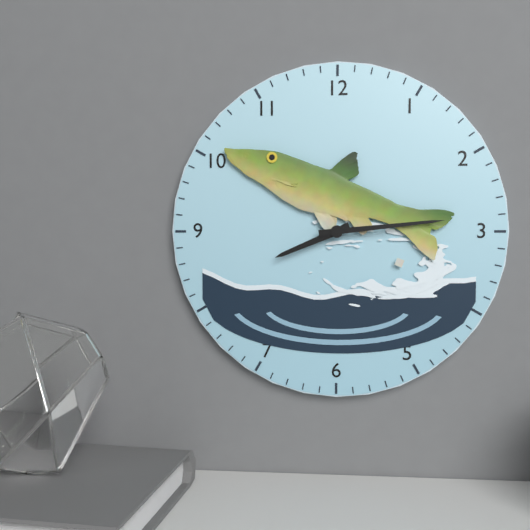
8.14
